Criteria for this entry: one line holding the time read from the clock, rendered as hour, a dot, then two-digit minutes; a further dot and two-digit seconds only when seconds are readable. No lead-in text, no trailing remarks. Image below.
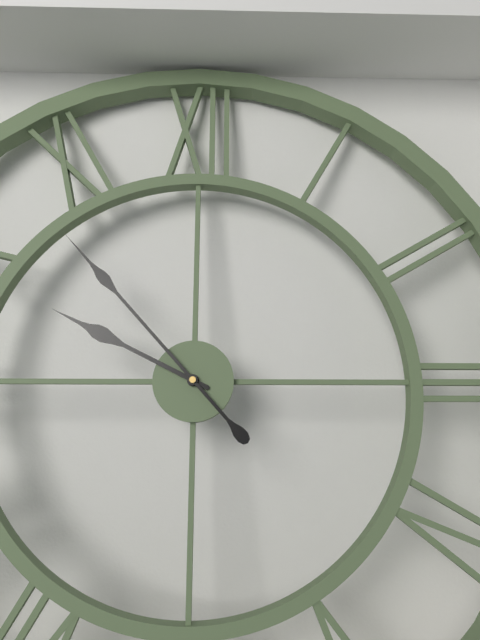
9.53
